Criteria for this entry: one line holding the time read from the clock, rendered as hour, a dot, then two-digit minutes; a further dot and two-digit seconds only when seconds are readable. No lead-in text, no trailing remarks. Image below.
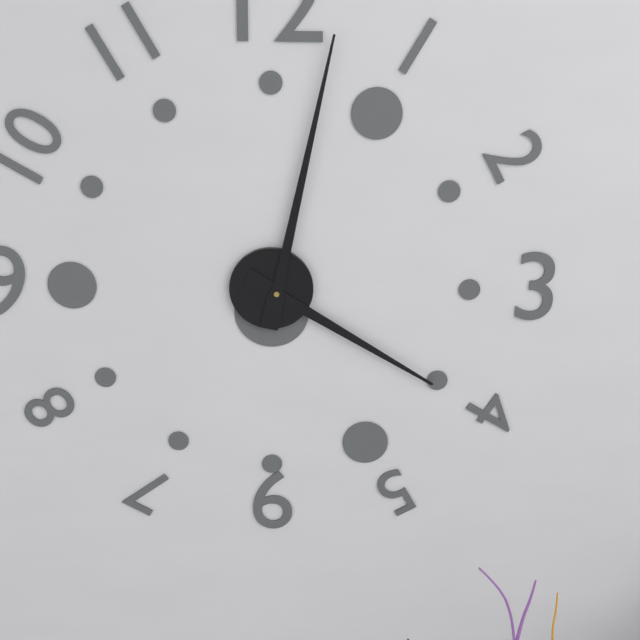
4.02
